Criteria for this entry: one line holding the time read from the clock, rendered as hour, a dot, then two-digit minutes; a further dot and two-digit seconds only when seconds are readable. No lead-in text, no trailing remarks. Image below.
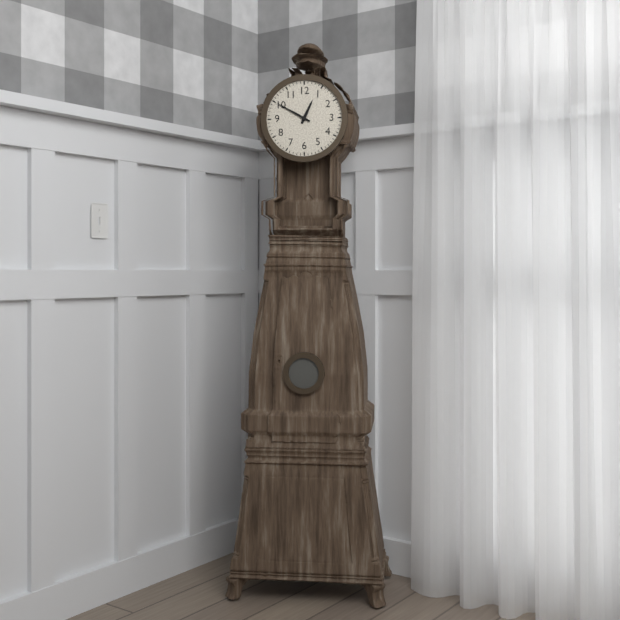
12.50
